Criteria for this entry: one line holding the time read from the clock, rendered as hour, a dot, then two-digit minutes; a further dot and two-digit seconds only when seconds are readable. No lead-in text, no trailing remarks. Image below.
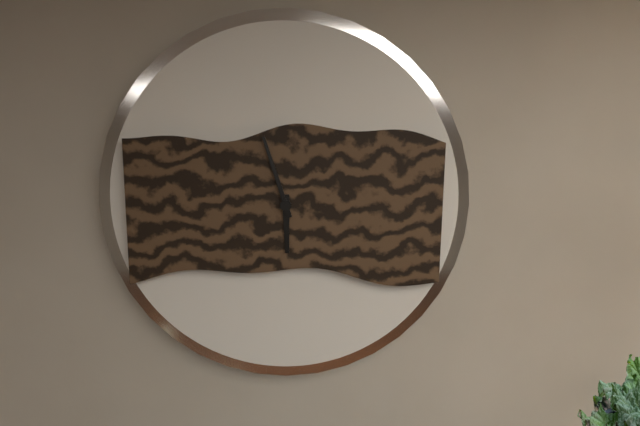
5.57
